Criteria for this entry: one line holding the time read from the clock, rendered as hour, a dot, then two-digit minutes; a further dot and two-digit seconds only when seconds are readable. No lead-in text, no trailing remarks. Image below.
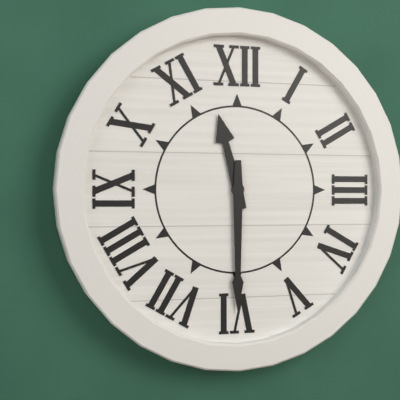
11.30
